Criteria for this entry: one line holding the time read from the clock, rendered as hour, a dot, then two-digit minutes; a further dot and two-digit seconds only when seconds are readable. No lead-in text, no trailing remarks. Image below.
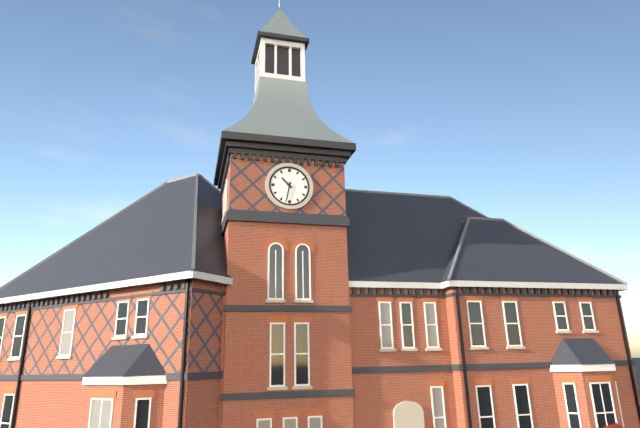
10.32
